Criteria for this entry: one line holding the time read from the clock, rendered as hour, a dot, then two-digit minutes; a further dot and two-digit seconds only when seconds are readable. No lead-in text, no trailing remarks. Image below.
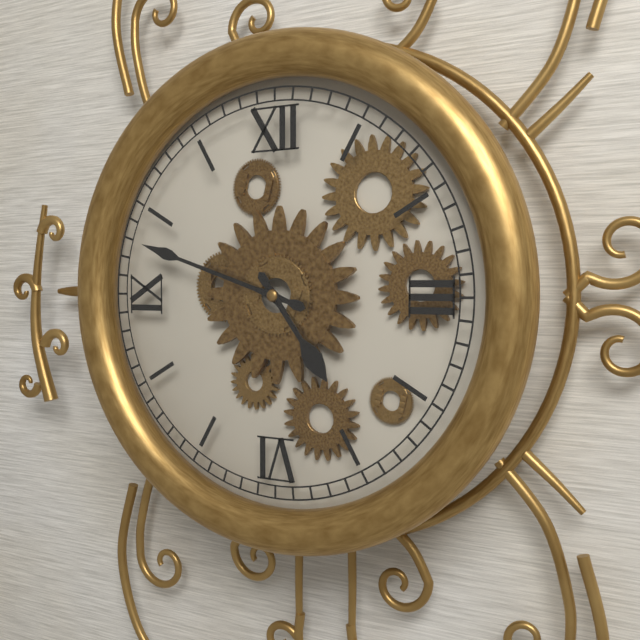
4.48
